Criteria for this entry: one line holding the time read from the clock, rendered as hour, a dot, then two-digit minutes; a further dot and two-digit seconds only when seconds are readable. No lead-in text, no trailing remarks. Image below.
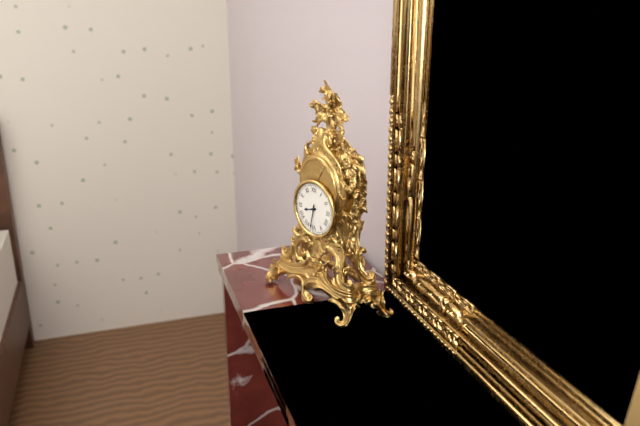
8.32
